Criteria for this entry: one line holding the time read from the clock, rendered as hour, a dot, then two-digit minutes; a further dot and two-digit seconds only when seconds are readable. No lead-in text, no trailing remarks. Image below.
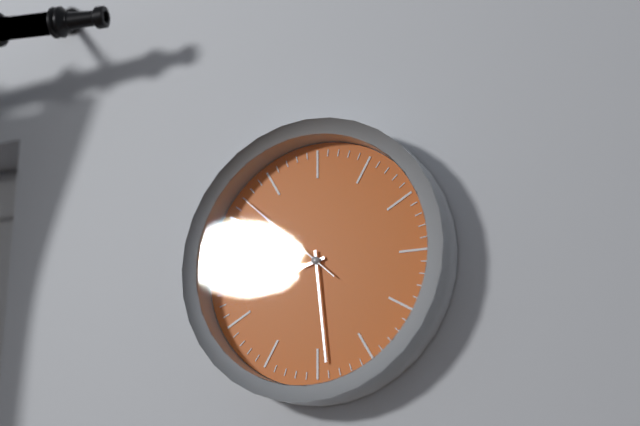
8.29.52
